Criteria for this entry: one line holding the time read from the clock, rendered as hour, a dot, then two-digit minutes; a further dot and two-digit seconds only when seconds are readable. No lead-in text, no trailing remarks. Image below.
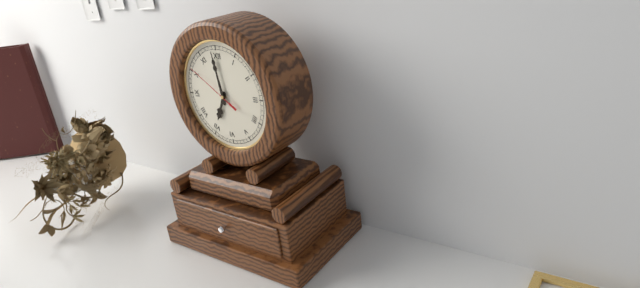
6.59.51
